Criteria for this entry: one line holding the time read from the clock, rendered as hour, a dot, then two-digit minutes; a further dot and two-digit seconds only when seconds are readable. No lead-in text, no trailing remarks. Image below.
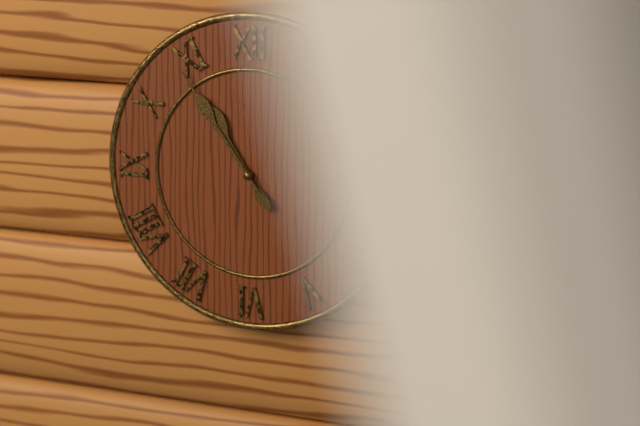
10.54
